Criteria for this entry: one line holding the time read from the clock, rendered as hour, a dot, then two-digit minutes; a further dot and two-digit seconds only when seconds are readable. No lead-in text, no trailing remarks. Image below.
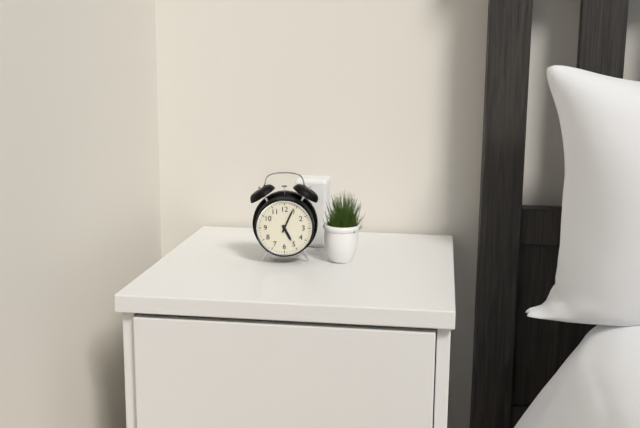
5.04
